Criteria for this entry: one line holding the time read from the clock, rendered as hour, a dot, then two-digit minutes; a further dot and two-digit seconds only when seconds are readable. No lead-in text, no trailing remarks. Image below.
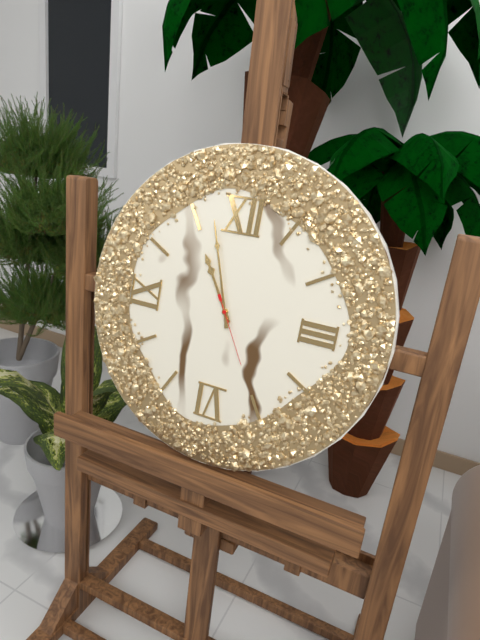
10.57.25
